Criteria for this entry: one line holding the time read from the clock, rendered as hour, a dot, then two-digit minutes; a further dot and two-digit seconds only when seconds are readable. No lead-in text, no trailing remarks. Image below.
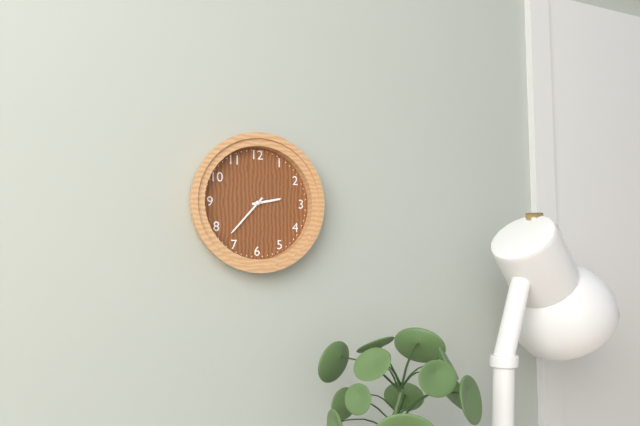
2.37
